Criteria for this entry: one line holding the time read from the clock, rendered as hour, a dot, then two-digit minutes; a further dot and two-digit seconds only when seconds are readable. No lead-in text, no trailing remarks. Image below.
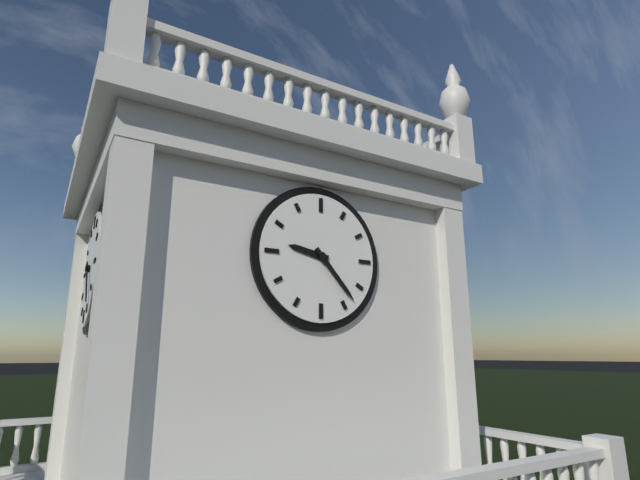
9.23
